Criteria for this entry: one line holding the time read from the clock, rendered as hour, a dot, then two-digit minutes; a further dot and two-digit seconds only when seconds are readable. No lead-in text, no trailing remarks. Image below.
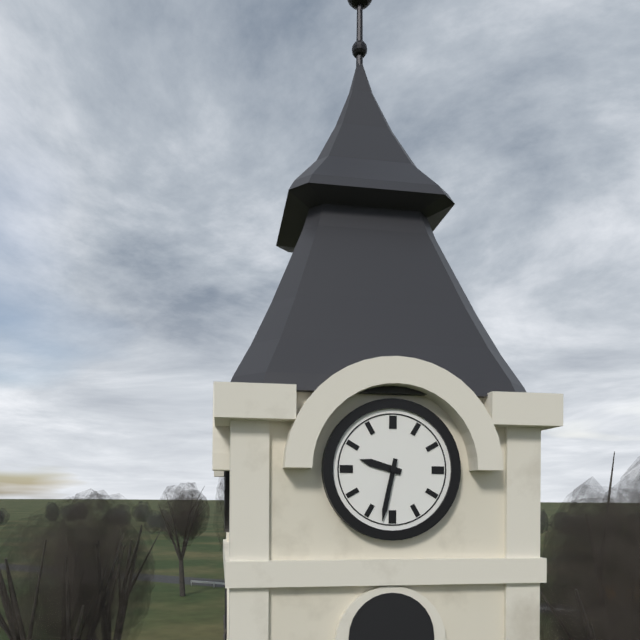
9.32
